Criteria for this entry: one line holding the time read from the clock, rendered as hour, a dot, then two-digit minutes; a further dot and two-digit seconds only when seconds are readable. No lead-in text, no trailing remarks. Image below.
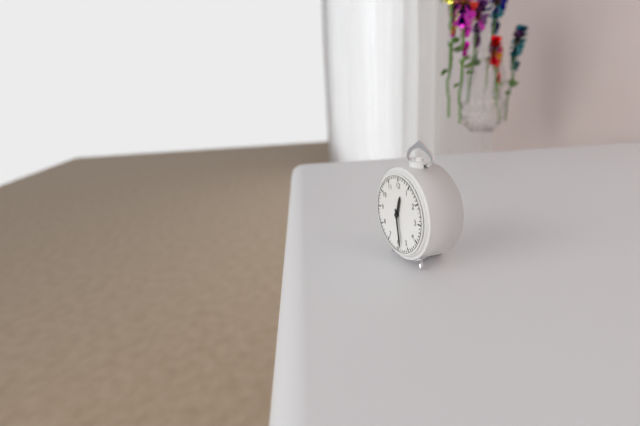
12.28
